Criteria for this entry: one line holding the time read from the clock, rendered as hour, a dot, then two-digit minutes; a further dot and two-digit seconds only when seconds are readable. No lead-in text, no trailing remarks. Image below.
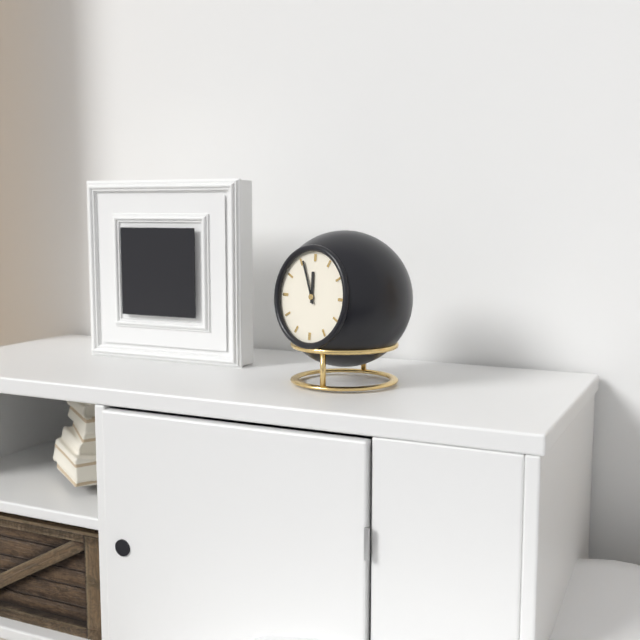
11.56
